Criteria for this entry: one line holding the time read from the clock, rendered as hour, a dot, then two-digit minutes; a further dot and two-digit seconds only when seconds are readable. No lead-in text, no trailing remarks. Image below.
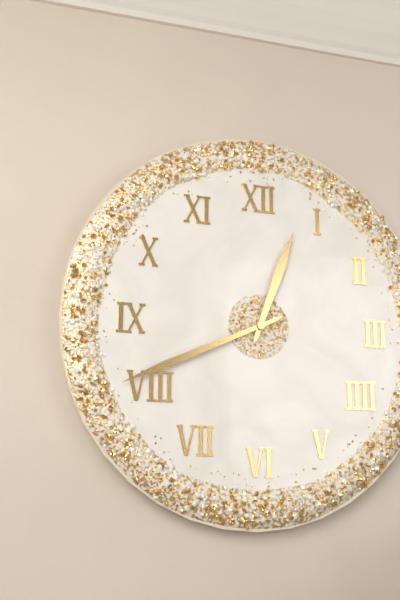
12.41
